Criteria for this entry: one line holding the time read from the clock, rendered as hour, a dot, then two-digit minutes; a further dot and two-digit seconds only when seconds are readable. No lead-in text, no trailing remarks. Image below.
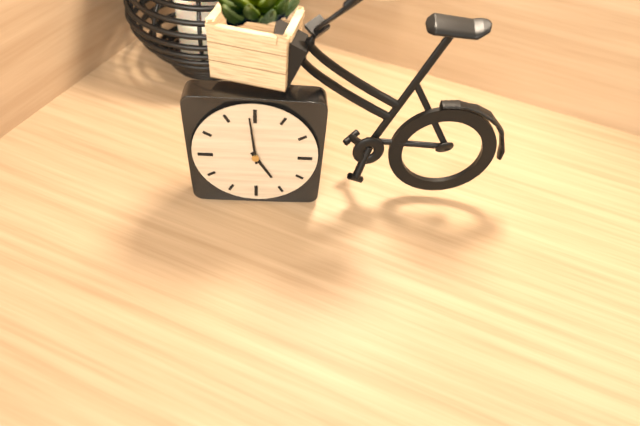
4.59
